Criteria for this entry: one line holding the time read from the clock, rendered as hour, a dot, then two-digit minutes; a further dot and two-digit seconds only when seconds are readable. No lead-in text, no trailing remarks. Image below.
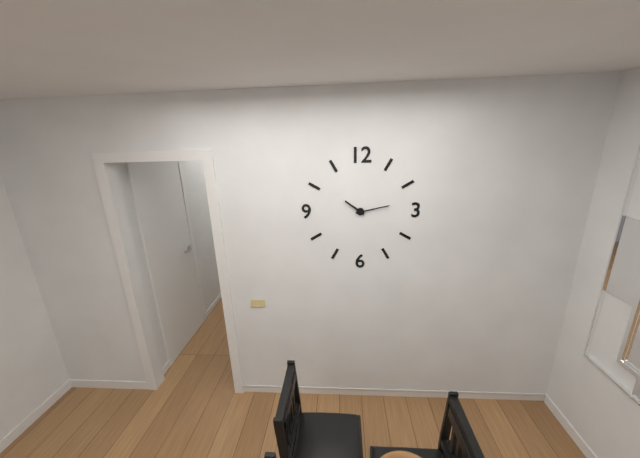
10.13
